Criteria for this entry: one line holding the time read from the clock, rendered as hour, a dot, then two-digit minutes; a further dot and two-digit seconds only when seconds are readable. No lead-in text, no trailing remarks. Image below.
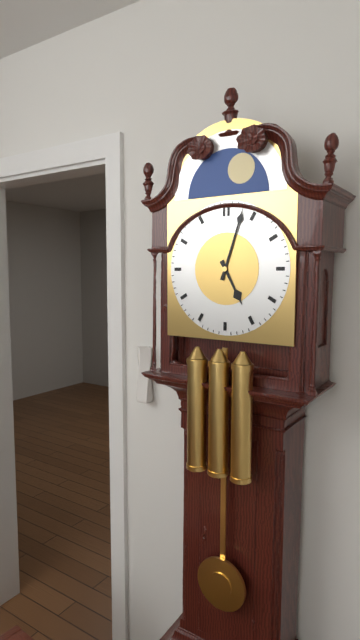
5.03
